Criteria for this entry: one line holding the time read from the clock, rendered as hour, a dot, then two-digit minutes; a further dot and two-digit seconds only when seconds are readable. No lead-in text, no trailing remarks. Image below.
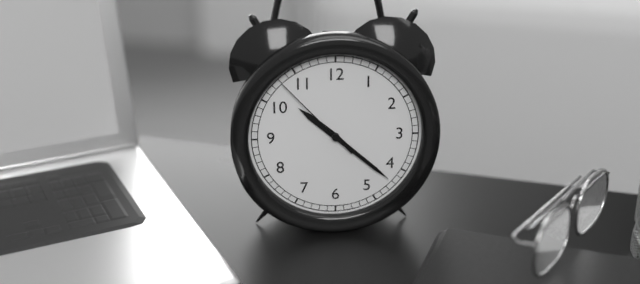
10.22.53
